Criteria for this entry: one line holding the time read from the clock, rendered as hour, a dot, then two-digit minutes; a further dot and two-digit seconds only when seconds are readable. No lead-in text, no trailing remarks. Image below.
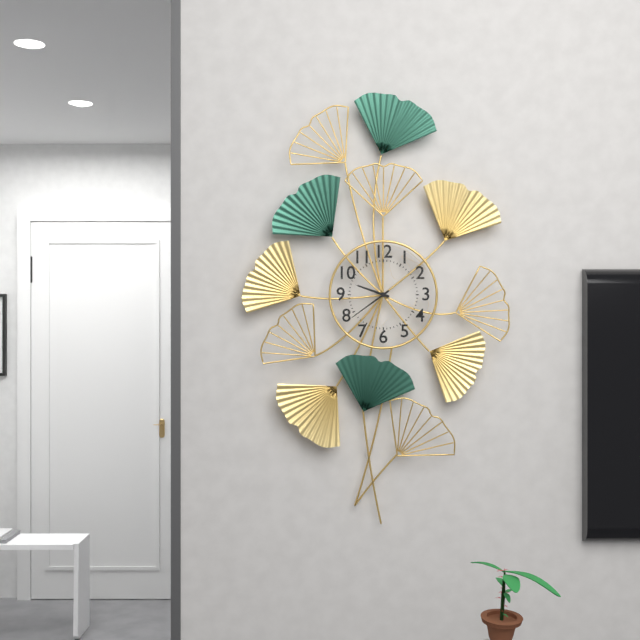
9.39
